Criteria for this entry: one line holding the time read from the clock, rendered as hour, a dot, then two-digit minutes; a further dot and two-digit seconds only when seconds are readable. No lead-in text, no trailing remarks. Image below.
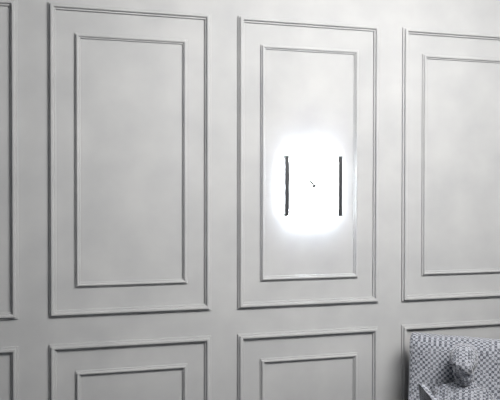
10.40
